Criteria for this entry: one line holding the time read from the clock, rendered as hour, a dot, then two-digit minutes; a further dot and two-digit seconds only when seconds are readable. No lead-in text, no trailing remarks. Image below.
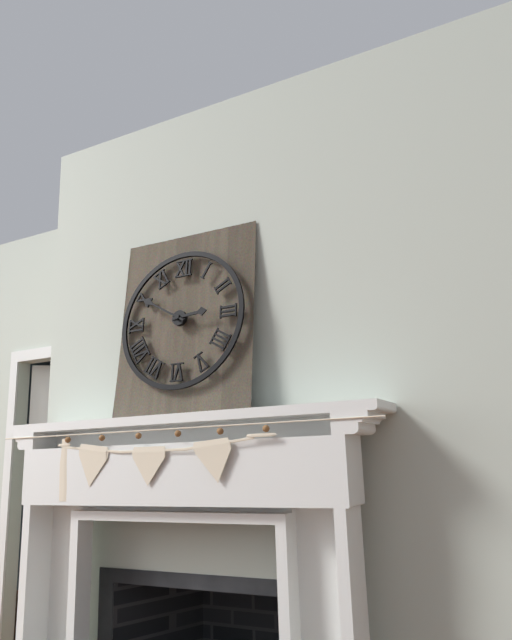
2.50
